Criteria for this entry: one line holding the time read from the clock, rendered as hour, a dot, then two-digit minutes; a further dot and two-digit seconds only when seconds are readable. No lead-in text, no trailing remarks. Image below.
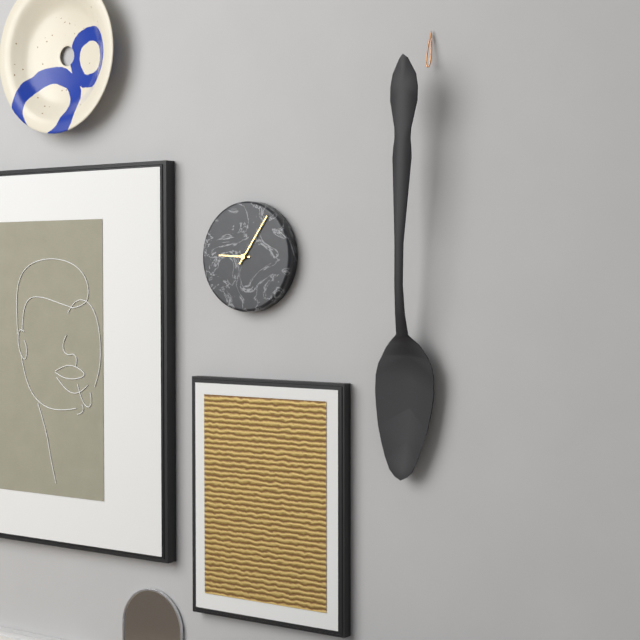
9.06
